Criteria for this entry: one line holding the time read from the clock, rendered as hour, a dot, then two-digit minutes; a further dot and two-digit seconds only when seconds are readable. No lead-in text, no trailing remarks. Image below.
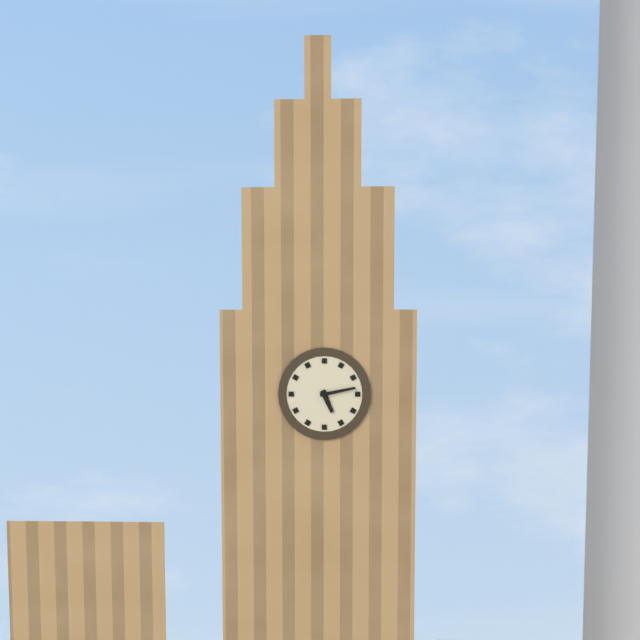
5.13
